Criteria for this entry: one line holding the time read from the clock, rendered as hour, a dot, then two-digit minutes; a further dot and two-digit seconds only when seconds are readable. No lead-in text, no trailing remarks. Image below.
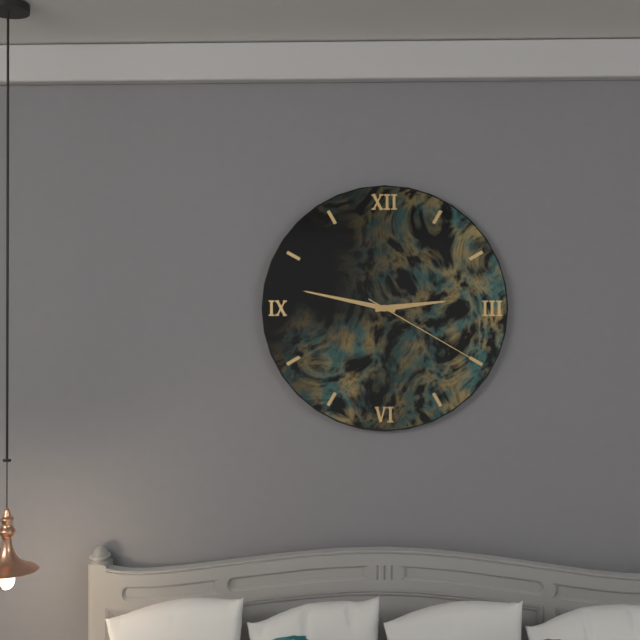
2.47.20
